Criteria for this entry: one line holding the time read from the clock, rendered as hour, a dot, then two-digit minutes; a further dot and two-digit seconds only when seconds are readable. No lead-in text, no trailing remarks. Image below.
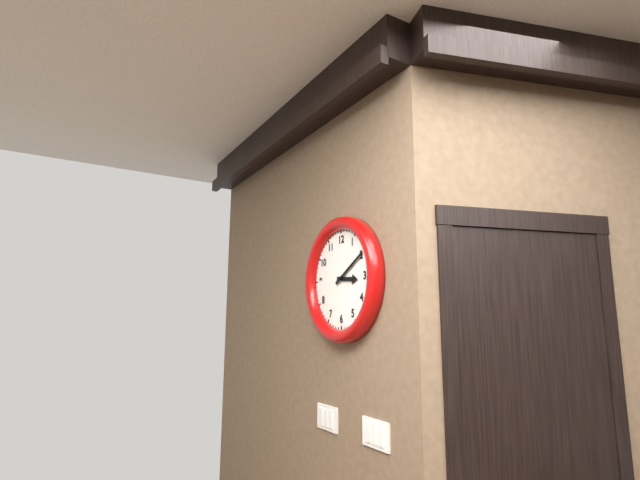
3.10
